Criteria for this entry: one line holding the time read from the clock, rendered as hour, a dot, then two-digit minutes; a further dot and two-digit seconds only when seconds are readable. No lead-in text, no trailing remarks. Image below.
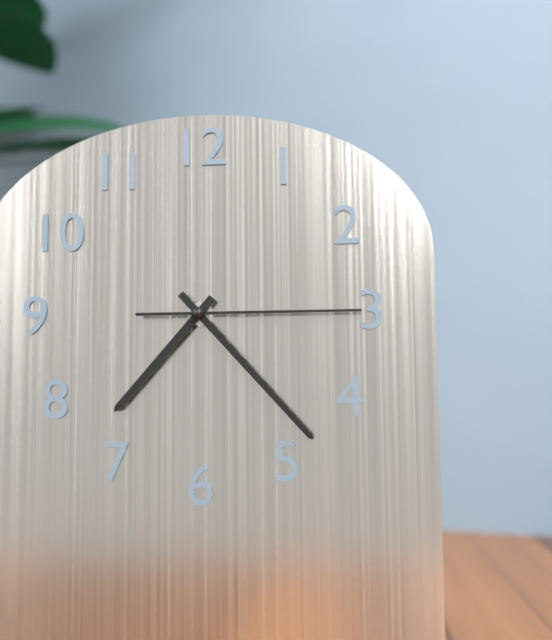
7.23.15
